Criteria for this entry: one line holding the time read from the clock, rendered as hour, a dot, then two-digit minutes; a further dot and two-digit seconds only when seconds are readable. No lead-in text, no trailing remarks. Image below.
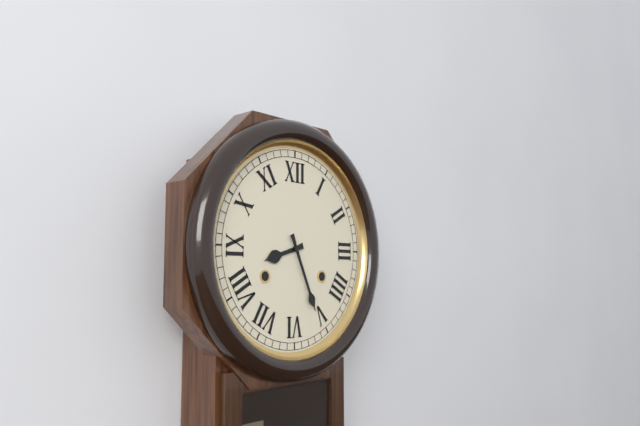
8.26
